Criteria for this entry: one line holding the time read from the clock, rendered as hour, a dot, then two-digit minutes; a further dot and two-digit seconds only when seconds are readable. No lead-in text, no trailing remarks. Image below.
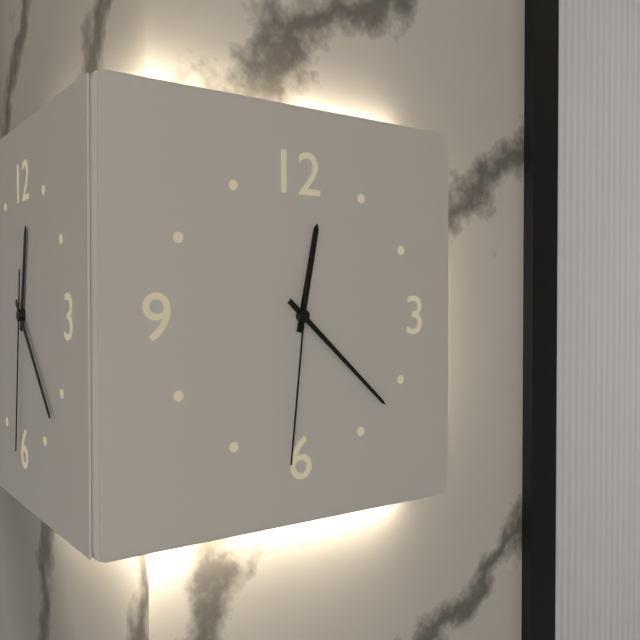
12.22.31
